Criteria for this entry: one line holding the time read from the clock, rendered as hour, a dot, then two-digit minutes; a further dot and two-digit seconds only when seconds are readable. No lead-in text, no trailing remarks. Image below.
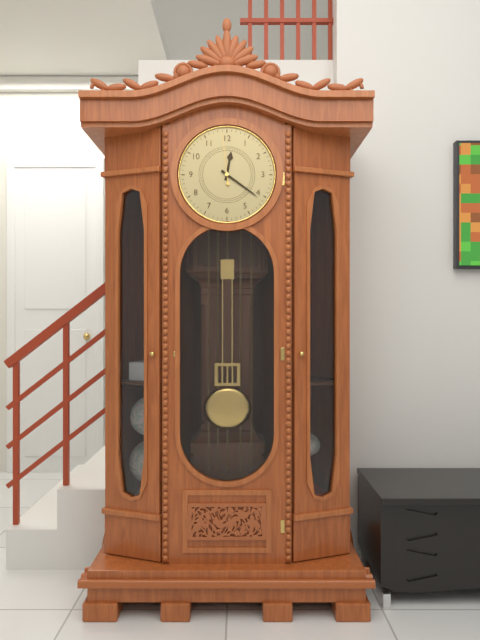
12.21.59
